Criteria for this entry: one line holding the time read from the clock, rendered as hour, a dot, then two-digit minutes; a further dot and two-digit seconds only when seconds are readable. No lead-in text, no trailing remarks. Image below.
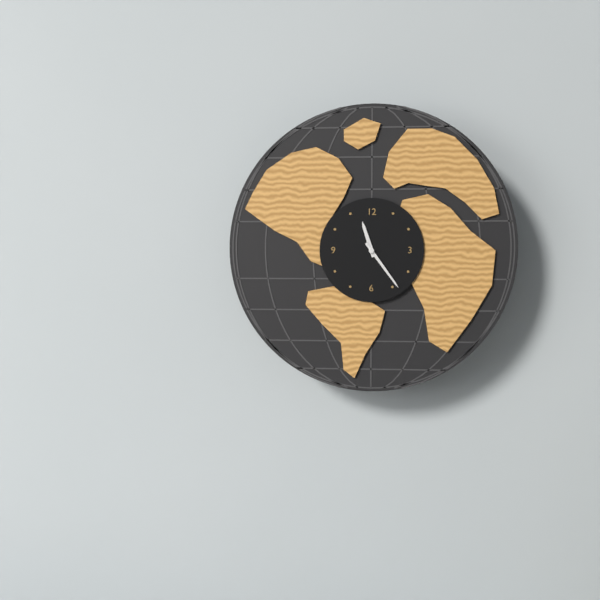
11.24
